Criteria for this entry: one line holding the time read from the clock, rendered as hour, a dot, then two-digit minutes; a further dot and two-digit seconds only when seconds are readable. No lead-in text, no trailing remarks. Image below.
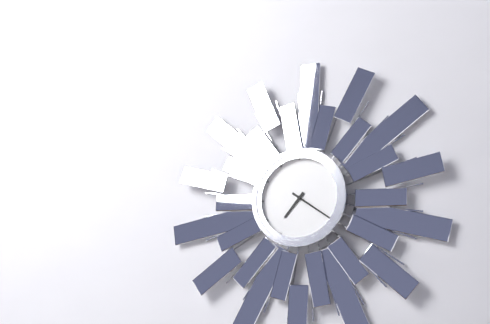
7.21
